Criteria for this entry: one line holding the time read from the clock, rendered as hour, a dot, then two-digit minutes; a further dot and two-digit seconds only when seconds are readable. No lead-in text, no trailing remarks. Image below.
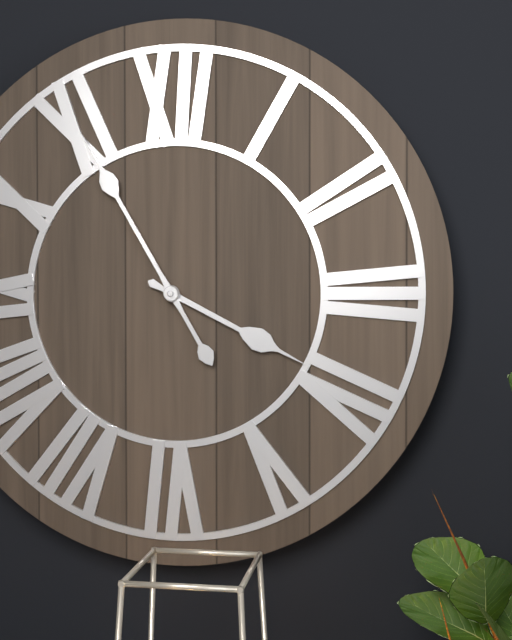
3.55
